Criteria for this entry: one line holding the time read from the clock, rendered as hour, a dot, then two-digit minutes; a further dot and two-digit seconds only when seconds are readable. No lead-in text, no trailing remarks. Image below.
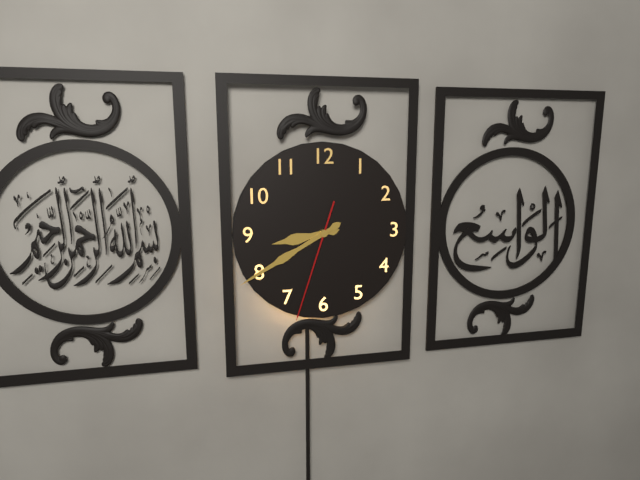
8.40.33
